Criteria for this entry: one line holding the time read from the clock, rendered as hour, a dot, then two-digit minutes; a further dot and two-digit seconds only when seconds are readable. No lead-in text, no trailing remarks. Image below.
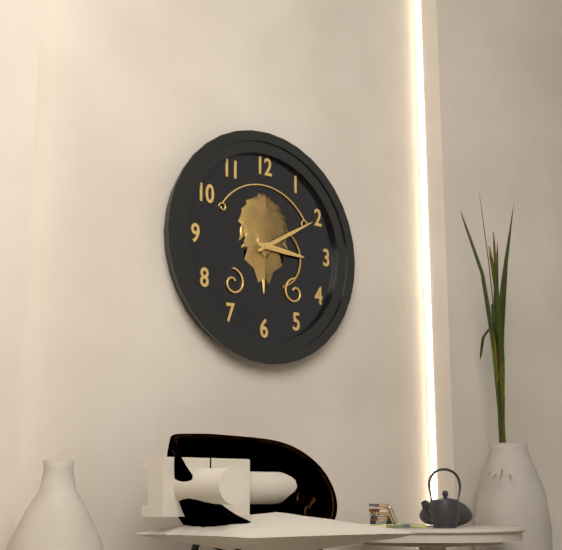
3.10
